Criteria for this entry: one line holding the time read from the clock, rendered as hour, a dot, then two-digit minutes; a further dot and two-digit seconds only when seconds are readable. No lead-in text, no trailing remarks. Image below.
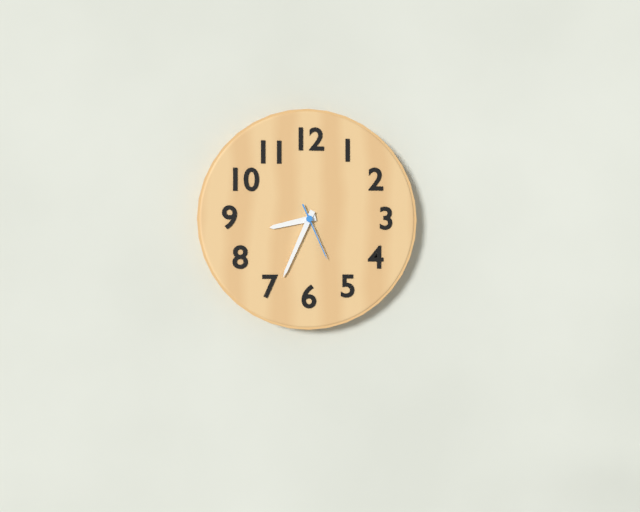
8.34.26
